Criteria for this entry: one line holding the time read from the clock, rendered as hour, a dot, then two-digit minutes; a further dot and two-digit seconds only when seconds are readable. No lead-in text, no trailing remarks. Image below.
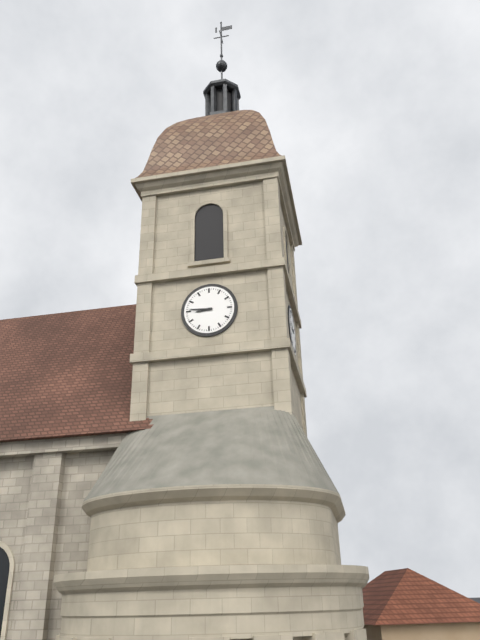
8.46
